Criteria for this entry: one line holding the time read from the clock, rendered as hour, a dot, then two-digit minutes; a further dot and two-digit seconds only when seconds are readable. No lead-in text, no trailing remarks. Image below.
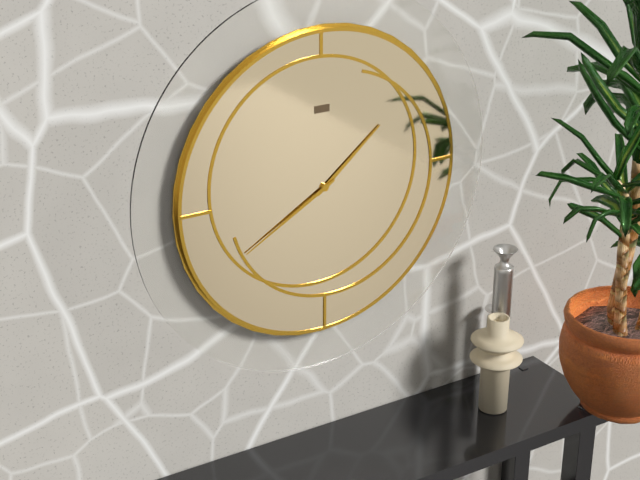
1.40
